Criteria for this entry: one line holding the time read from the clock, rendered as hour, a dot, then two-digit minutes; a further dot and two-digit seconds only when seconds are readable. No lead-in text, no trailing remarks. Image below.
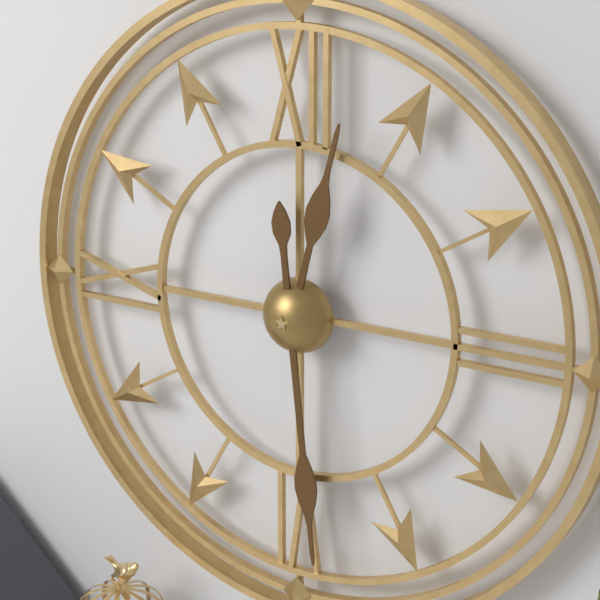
12.29
